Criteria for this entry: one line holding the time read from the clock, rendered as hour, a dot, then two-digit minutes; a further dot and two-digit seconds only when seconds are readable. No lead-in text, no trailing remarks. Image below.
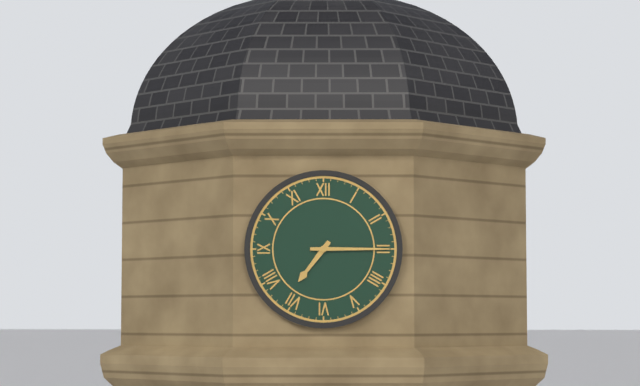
7.15
